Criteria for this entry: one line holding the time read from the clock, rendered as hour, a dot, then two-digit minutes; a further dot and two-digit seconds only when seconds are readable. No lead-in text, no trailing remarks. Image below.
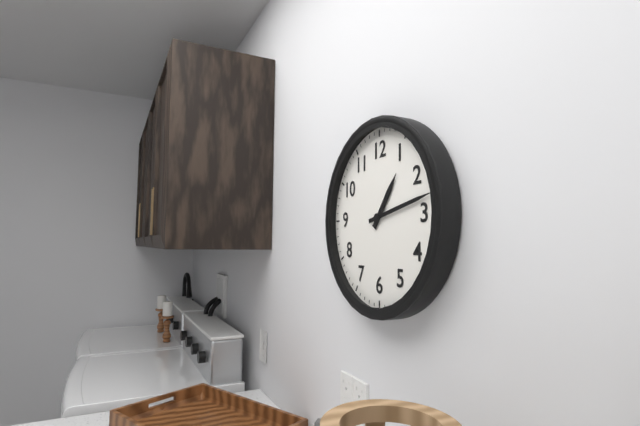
1.13
